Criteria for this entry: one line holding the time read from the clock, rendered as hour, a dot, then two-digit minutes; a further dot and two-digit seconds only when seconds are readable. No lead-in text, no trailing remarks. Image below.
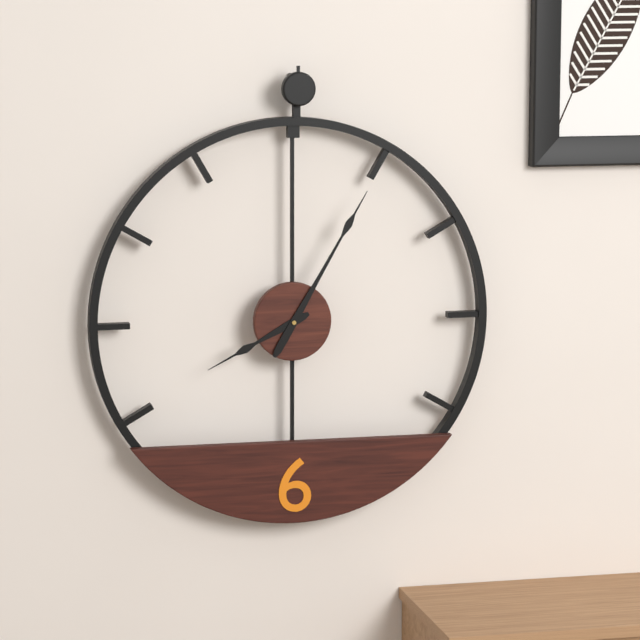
8.05
